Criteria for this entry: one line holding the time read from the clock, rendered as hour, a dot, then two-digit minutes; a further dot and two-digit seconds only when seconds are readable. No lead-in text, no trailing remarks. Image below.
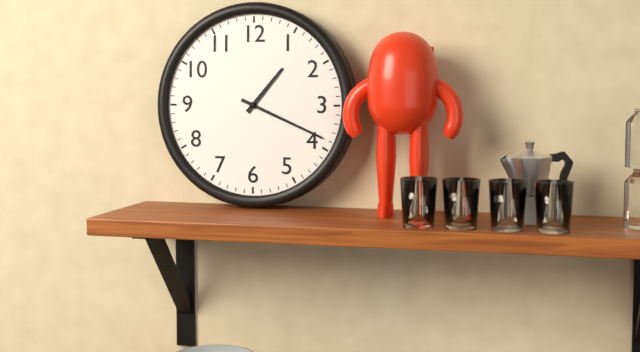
1.19
